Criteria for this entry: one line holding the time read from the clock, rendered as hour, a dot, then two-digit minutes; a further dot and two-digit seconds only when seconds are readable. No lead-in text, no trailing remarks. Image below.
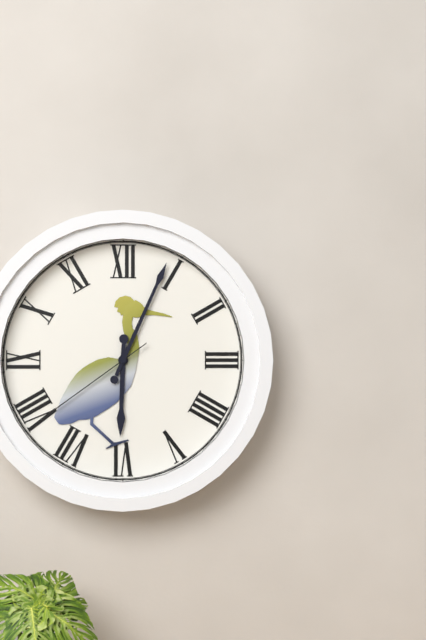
6.04.39
